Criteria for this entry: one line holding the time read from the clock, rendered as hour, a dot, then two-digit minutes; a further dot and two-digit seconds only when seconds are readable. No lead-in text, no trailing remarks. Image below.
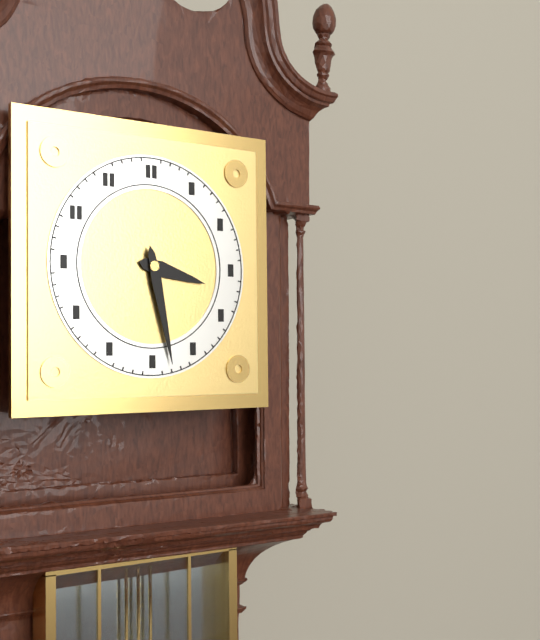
3.28
